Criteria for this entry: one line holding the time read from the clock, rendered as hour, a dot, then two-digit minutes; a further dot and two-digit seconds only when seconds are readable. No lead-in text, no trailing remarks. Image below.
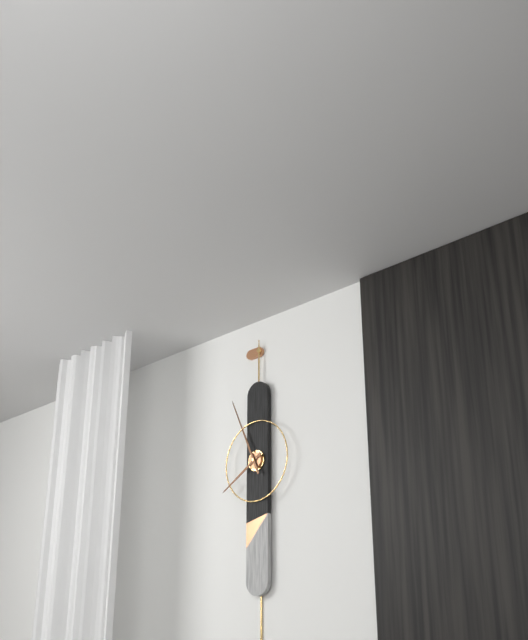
7.56
